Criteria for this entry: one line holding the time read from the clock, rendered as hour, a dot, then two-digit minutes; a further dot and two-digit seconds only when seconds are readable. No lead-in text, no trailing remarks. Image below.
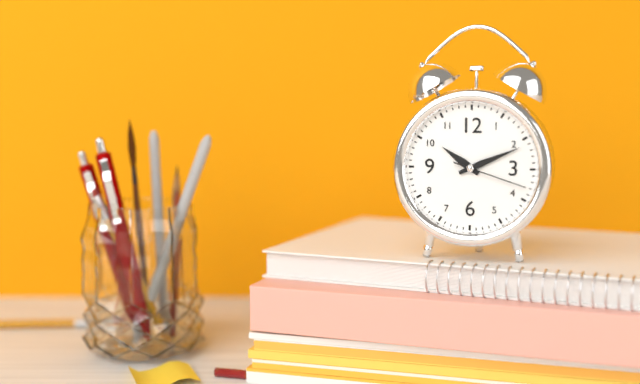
10.11.18
